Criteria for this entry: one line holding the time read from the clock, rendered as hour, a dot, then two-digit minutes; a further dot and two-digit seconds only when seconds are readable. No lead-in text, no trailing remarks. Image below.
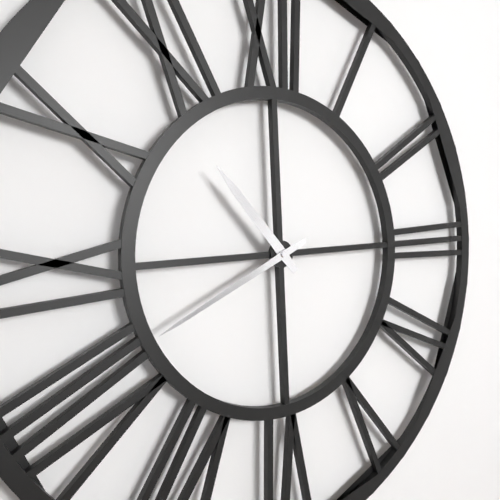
10.41
